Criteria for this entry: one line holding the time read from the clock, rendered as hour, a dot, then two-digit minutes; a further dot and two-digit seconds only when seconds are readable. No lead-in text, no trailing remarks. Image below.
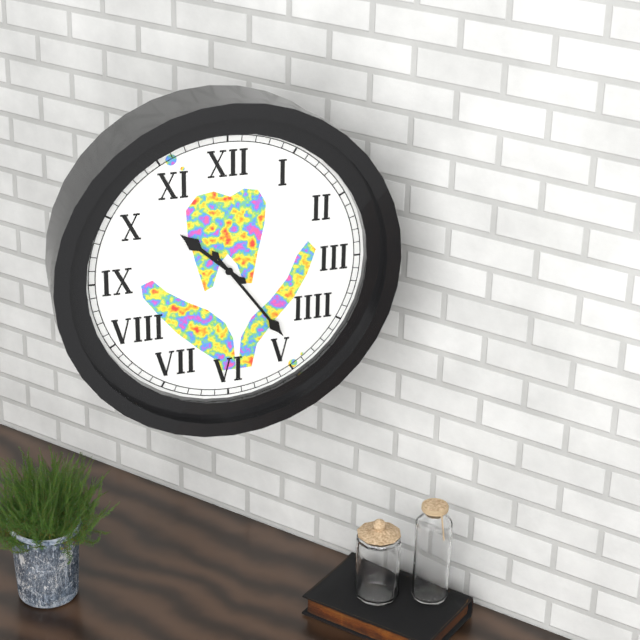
10.24
